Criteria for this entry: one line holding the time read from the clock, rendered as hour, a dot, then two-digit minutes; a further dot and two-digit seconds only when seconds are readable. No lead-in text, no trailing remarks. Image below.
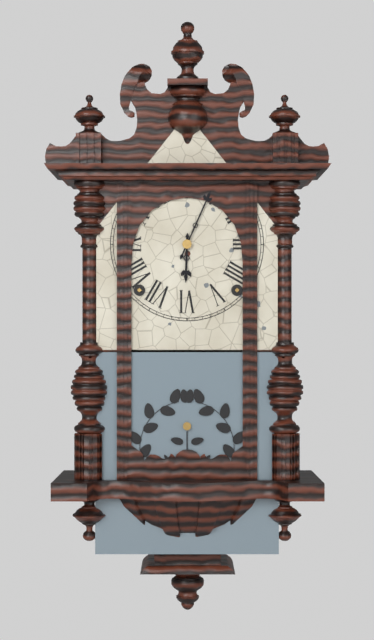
6.04
